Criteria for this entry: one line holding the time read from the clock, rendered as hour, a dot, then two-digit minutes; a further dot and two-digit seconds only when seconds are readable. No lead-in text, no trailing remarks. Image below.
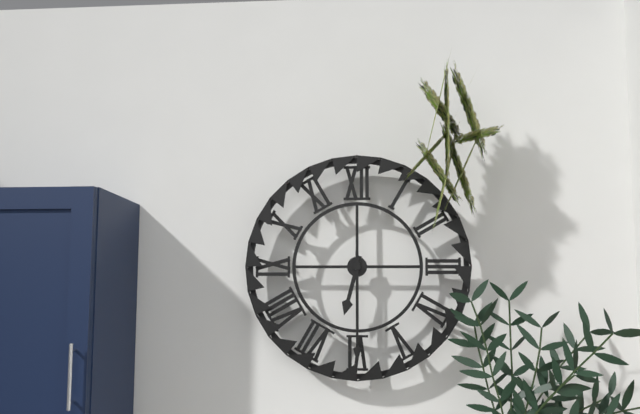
6.30
